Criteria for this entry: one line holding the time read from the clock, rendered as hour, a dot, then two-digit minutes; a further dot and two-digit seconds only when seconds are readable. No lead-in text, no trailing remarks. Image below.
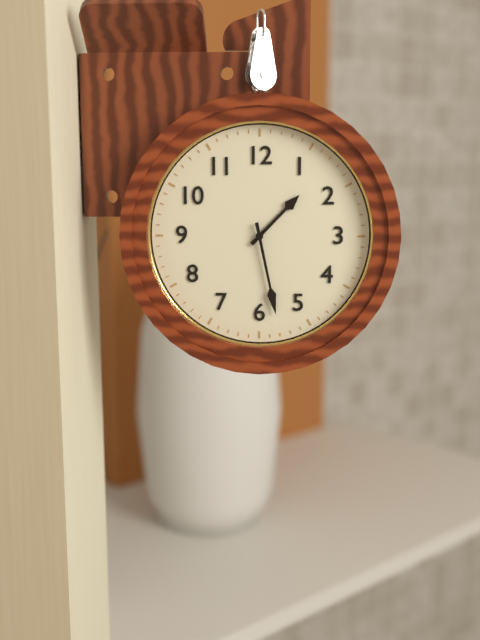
1.28
